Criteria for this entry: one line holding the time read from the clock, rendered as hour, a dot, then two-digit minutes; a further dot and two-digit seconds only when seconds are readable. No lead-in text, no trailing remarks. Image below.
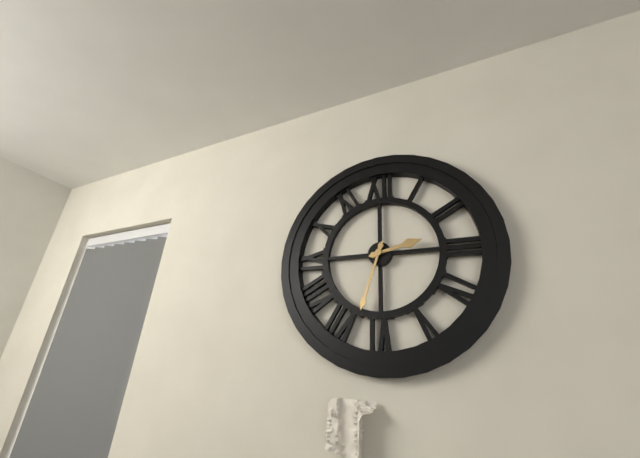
2.33
